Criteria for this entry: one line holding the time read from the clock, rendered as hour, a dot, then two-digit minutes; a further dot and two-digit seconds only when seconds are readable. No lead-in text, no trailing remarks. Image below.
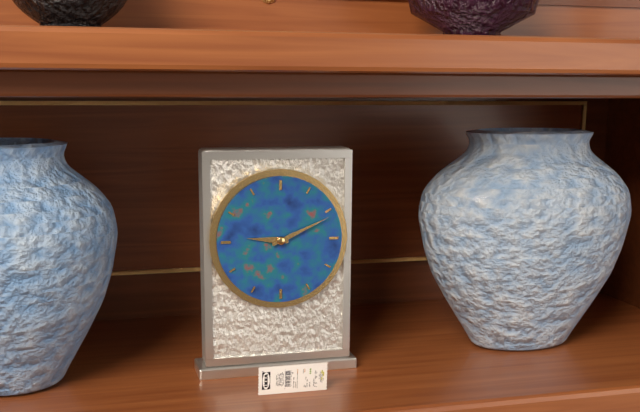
9.11
